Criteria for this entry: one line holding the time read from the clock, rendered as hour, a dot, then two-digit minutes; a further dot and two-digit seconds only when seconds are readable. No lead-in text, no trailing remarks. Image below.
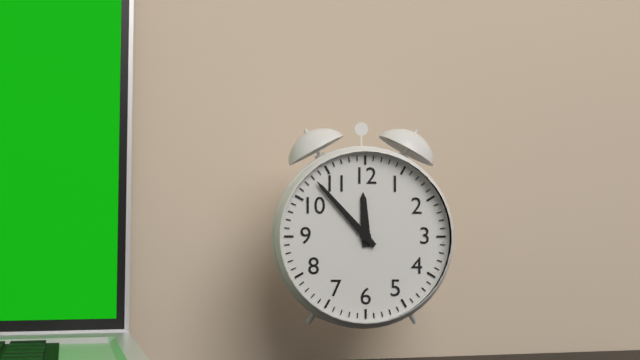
11.53
